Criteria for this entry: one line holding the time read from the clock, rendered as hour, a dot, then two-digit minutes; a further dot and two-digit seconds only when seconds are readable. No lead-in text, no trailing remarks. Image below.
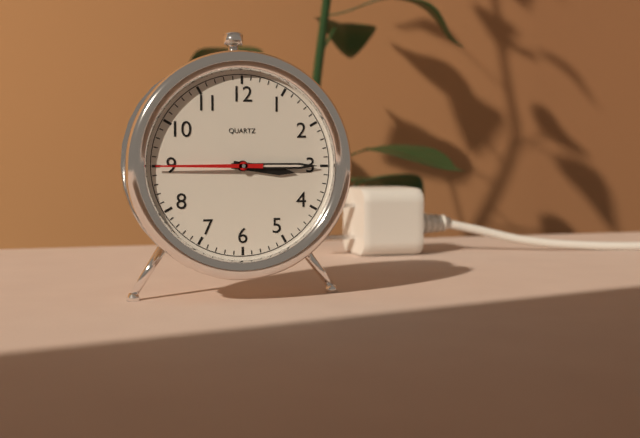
3.15.45
